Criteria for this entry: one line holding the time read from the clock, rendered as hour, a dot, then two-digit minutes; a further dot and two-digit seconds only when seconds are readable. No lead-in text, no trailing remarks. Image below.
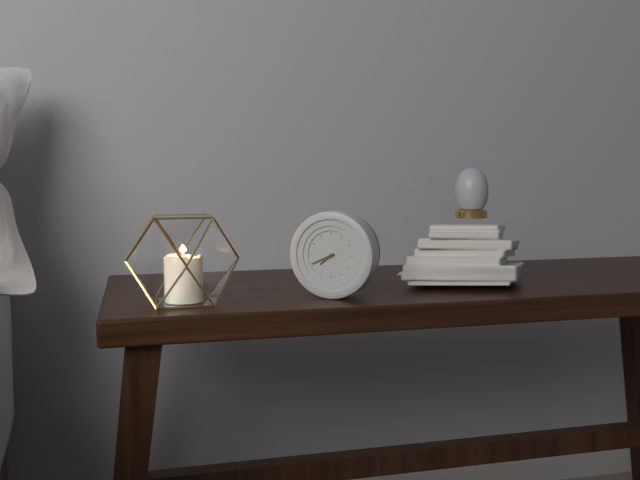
7.41
